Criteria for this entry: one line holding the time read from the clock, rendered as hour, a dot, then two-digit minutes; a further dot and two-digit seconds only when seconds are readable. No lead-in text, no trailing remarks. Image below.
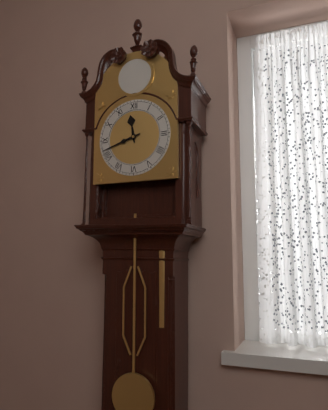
11.42
